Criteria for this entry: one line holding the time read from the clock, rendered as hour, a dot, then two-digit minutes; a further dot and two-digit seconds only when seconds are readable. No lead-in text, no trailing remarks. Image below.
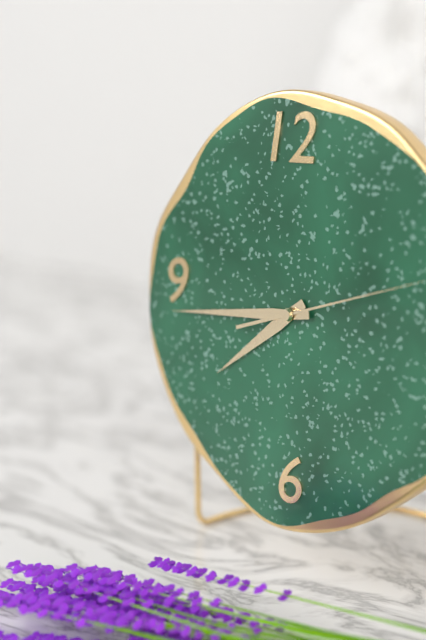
7.44
